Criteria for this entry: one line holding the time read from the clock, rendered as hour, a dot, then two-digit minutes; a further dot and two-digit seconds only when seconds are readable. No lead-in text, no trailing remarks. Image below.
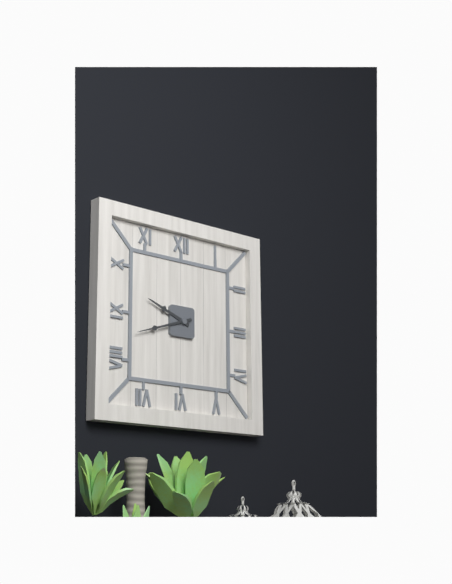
9.42
